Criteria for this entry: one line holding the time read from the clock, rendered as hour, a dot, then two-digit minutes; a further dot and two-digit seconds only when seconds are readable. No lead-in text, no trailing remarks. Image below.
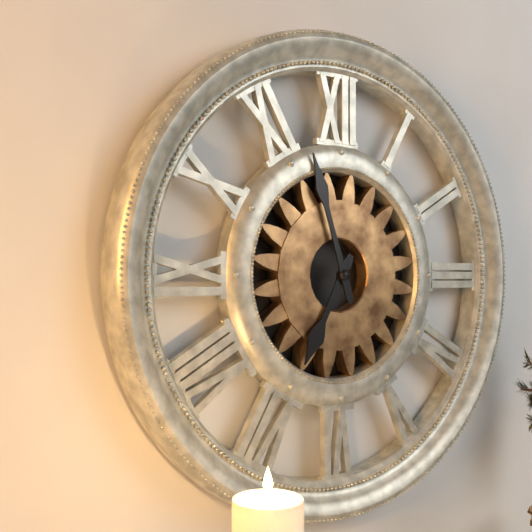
6.57
